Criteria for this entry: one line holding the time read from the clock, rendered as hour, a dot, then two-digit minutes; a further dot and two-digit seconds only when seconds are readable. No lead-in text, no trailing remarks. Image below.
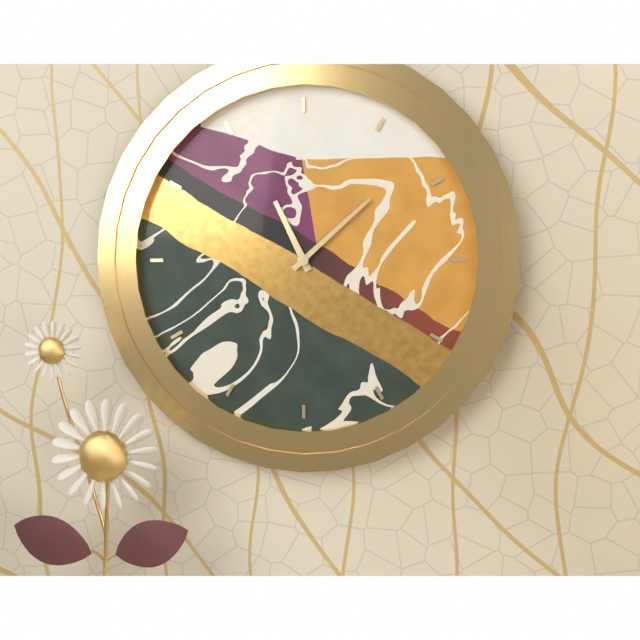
11.08
